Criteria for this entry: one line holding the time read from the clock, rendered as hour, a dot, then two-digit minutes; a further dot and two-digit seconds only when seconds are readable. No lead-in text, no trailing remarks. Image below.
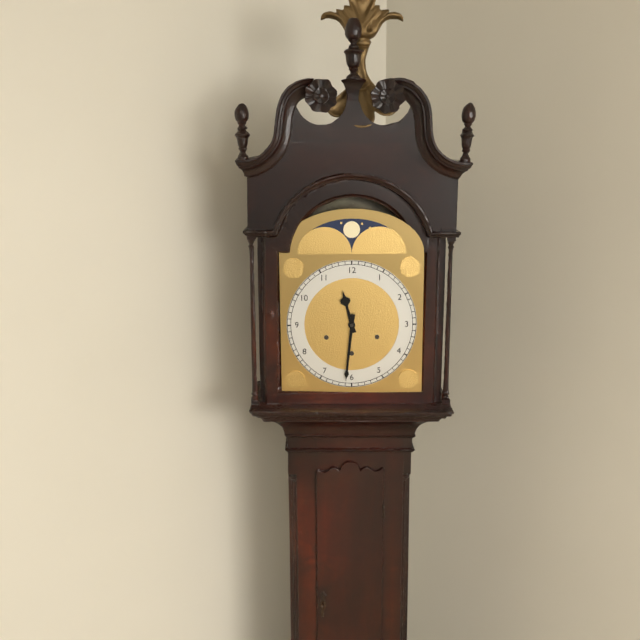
11.31
